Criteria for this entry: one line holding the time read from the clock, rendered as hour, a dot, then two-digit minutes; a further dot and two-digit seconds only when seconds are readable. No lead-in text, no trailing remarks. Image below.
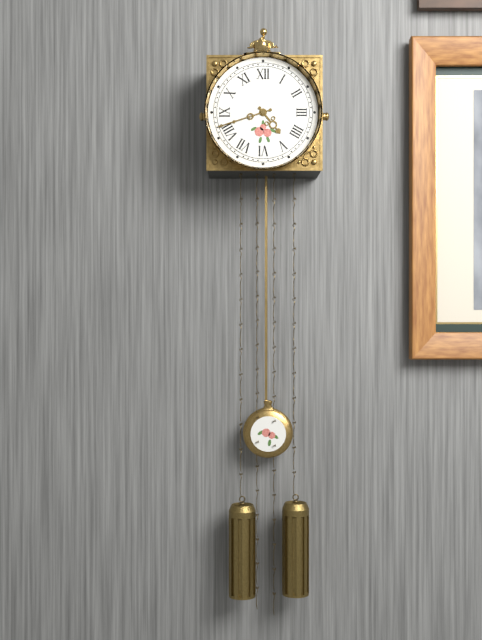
4.42
